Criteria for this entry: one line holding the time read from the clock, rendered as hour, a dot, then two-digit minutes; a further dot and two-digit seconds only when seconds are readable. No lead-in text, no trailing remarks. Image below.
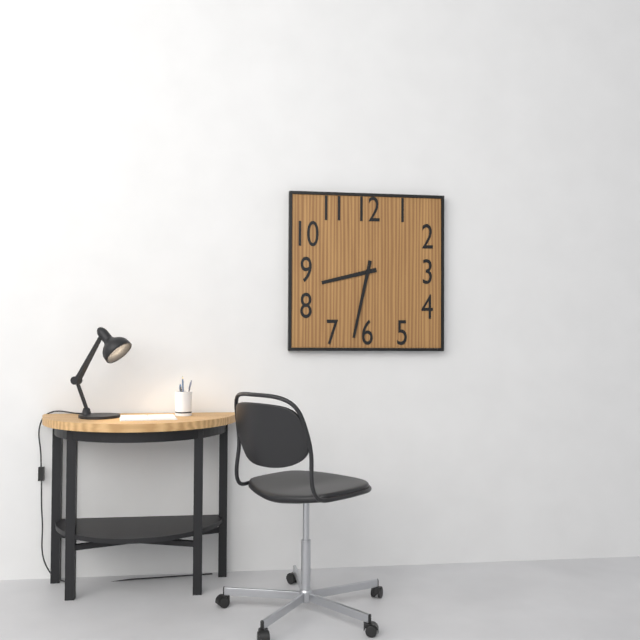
8.32
